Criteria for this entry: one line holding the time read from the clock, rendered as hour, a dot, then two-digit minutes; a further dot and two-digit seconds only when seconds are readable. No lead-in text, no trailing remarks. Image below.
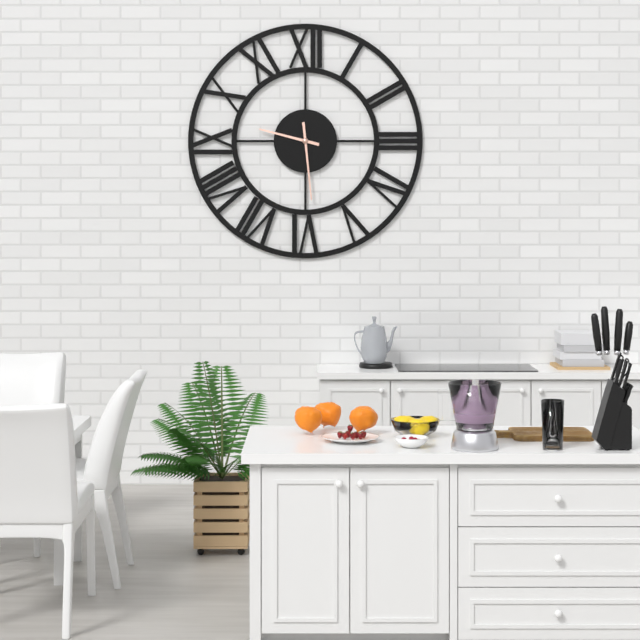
9.29
